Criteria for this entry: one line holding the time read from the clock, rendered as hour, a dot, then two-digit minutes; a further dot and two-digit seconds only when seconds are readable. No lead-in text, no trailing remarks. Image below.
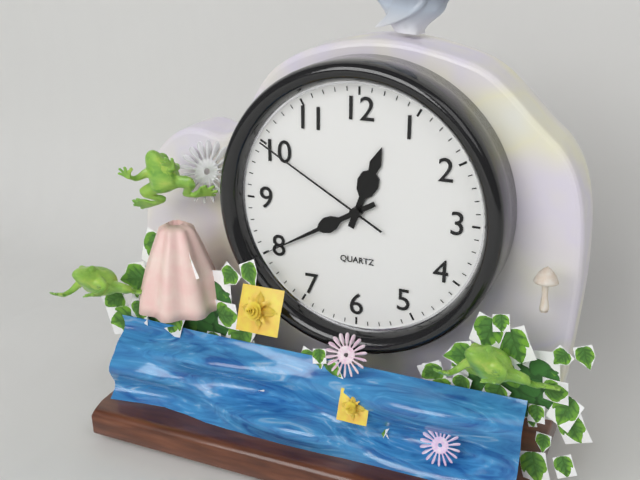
12.40.50
